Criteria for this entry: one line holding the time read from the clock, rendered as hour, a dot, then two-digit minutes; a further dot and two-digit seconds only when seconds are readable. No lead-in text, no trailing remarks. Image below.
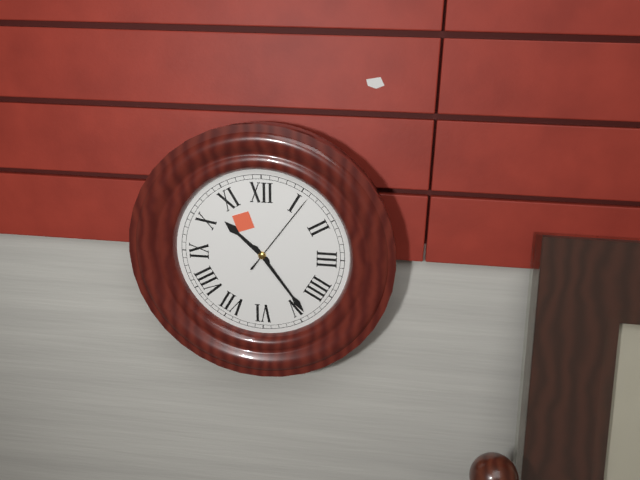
10.24.06
